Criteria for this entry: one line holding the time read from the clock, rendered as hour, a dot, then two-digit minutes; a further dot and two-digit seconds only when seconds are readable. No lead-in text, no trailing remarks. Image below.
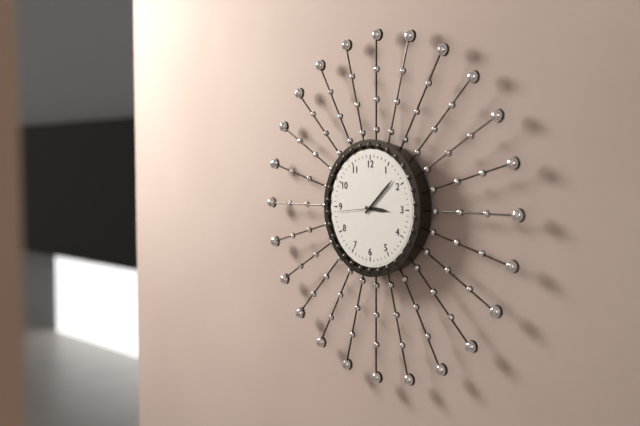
3.08
